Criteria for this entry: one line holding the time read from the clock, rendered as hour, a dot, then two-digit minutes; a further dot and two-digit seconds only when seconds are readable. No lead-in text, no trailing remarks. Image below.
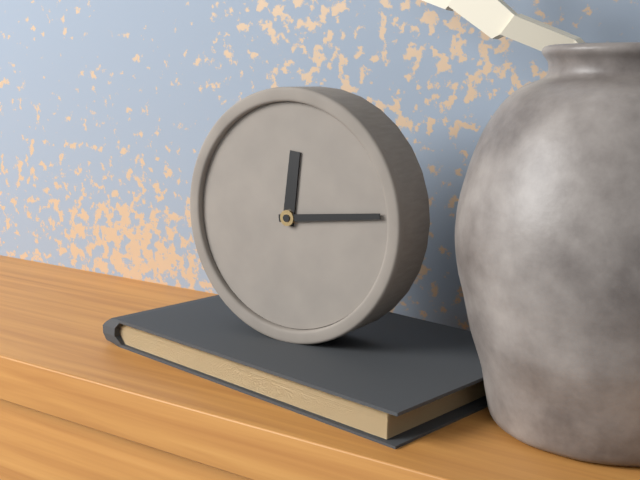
12.14
